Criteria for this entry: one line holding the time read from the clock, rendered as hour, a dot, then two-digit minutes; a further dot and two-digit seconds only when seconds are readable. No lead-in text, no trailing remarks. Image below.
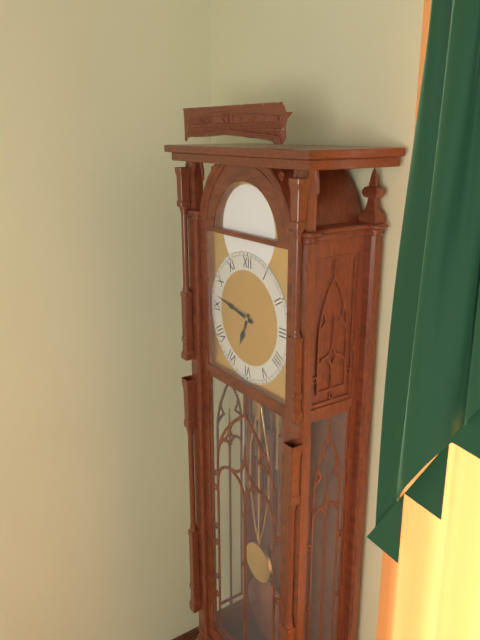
6.47
